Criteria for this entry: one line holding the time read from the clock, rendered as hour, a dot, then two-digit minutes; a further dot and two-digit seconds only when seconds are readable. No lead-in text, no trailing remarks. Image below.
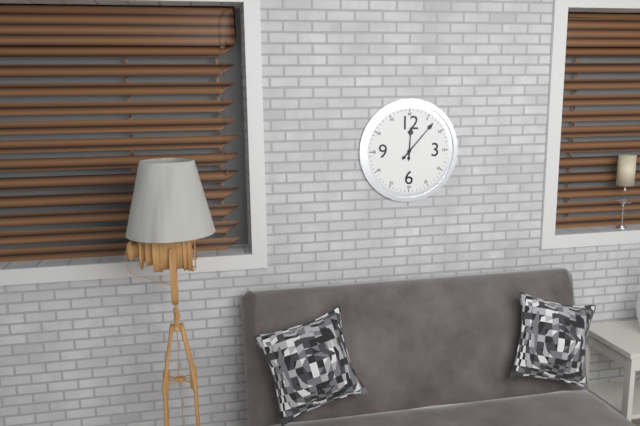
12.07
